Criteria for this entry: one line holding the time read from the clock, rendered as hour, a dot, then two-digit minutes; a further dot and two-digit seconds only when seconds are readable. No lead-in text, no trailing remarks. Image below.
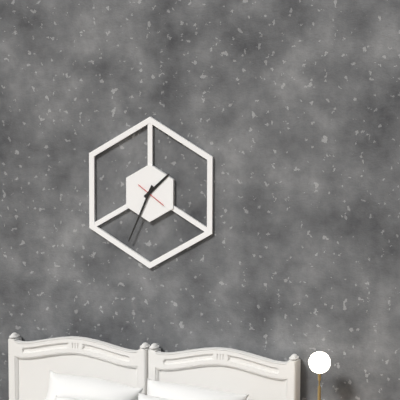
1.34
